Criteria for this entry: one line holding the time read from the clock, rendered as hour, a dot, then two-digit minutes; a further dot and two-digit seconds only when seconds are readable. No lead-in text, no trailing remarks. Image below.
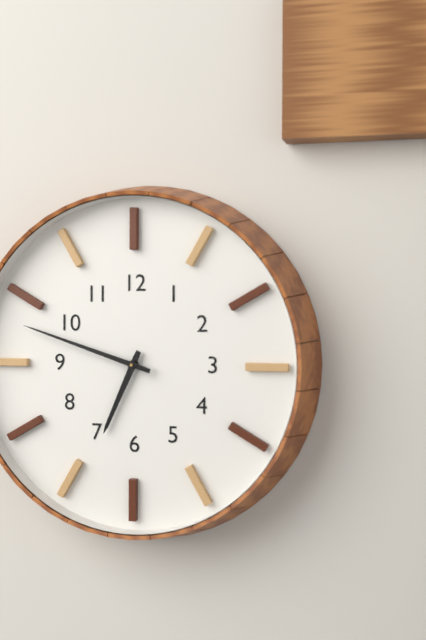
6.48
